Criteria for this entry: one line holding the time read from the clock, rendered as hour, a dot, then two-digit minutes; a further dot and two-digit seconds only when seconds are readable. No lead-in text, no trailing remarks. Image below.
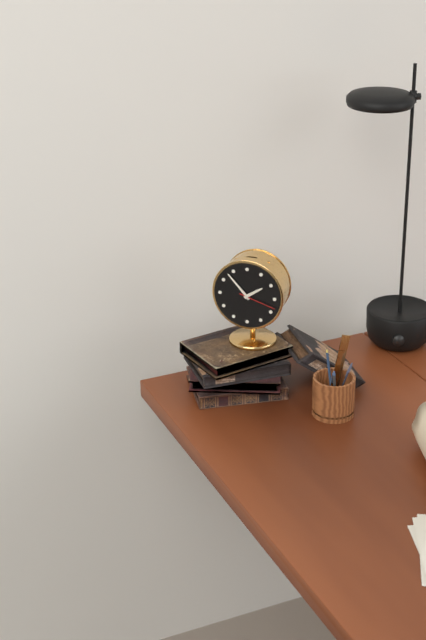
1.53
